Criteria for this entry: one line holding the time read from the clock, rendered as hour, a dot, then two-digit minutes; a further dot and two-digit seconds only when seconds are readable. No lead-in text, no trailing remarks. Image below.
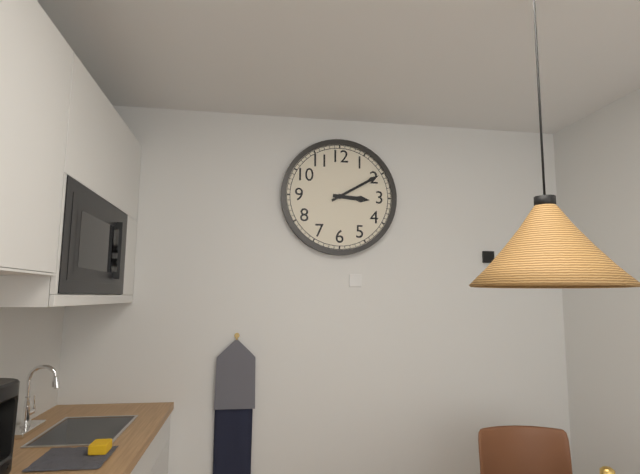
3.10
